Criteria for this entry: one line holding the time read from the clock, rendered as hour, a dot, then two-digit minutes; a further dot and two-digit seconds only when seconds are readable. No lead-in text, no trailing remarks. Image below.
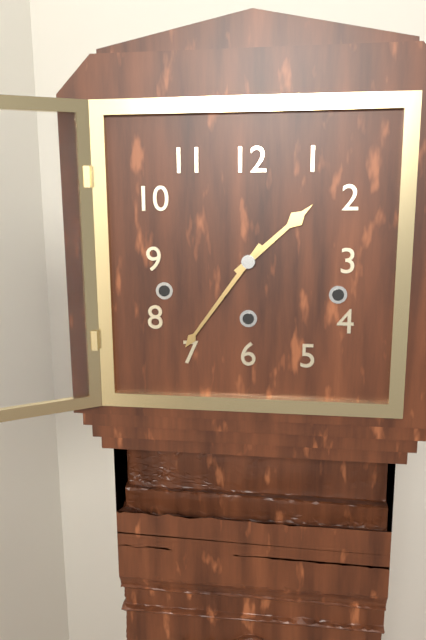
1.36
